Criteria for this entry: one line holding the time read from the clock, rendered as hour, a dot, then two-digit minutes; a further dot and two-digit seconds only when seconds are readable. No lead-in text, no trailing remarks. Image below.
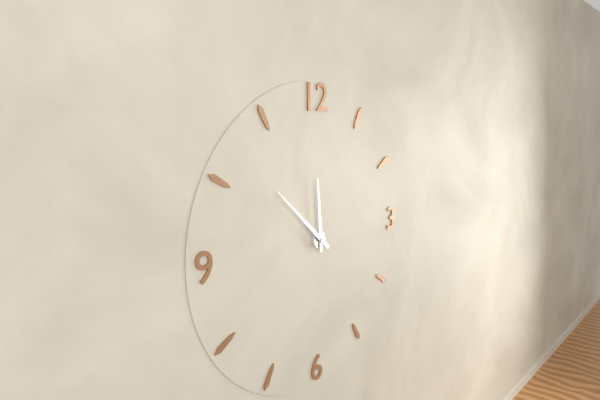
11.52
